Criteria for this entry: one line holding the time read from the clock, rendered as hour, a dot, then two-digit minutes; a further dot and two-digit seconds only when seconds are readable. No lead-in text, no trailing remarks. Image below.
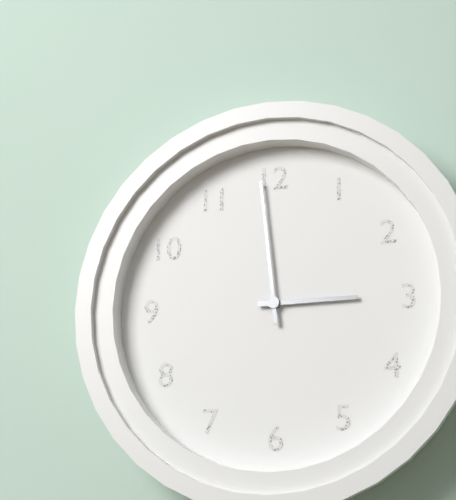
2.59
